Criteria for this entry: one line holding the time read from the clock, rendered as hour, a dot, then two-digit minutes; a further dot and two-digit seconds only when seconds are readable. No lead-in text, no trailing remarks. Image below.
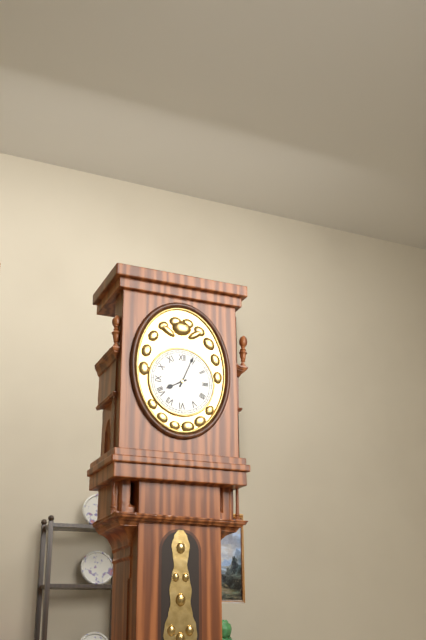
8.04
